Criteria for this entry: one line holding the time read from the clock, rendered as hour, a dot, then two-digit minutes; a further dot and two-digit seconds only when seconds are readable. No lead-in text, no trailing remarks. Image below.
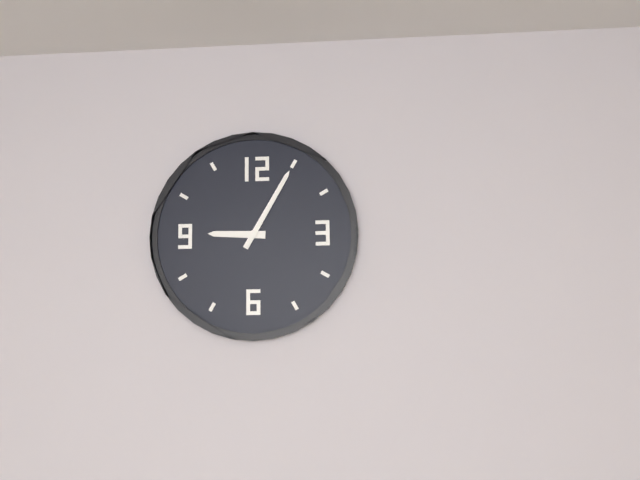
9.05
